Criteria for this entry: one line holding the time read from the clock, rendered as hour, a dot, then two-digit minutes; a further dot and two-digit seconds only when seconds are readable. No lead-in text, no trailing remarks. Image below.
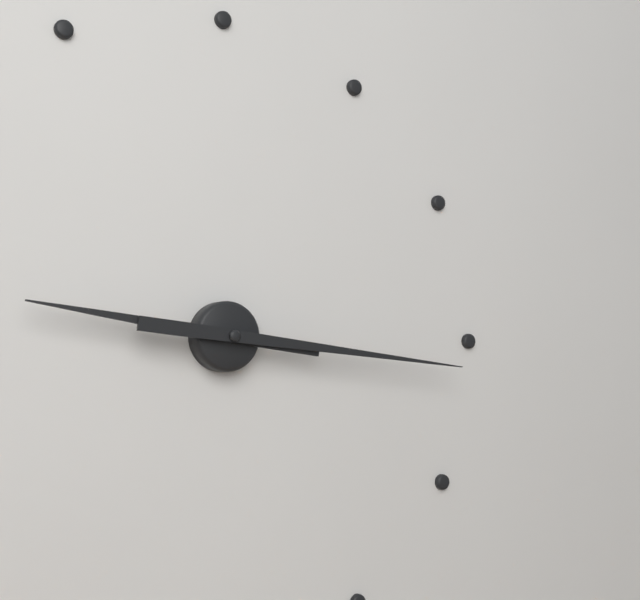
9.16
